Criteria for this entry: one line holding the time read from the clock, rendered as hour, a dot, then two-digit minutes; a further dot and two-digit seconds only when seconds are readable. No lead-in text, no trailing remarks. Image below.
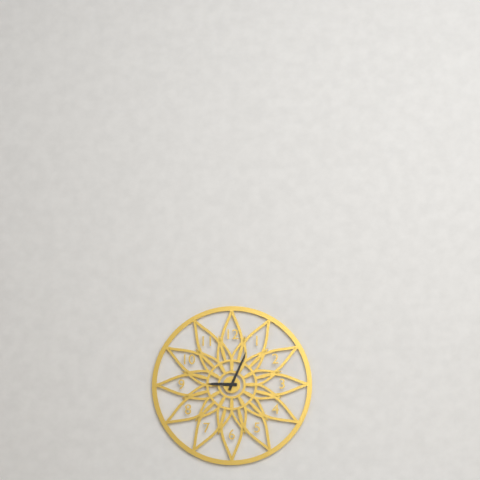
9.04
